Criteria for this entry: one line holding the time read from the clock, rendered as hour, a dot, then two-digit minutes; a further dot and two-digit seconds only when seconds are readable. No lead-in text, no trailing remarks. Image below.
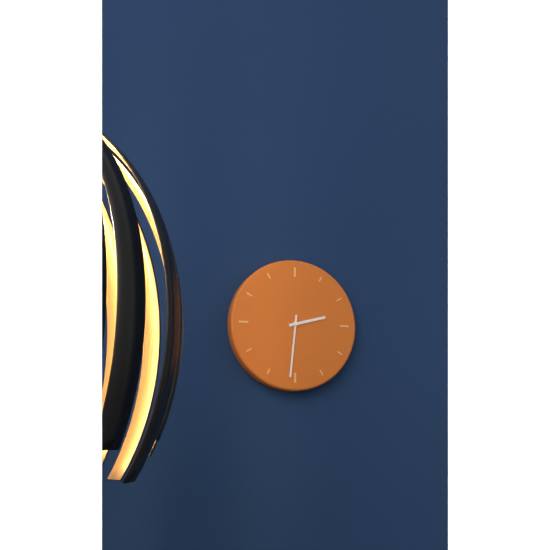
2.31
